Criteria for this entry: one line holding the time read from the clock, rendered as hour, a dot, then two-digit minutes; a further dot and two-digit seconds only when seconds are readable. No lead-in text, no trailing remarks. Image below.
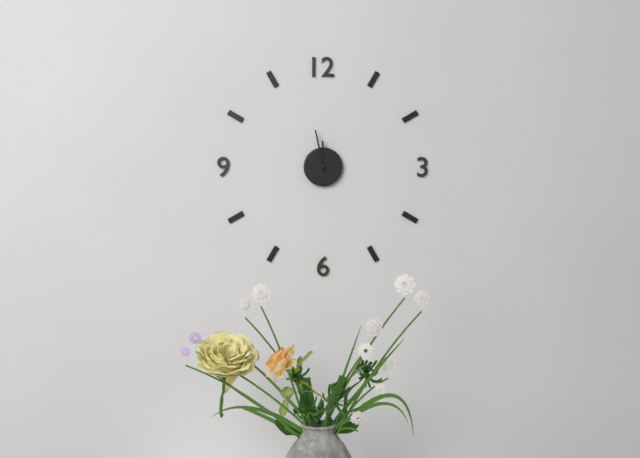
11.58
